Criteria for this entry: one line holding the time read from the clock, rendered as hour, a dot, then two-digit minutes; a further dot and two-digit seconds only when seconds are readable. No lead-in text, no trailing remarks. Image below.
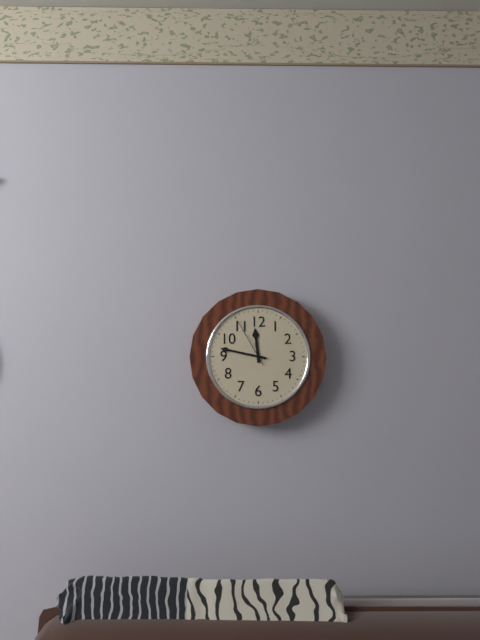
11.47.55
